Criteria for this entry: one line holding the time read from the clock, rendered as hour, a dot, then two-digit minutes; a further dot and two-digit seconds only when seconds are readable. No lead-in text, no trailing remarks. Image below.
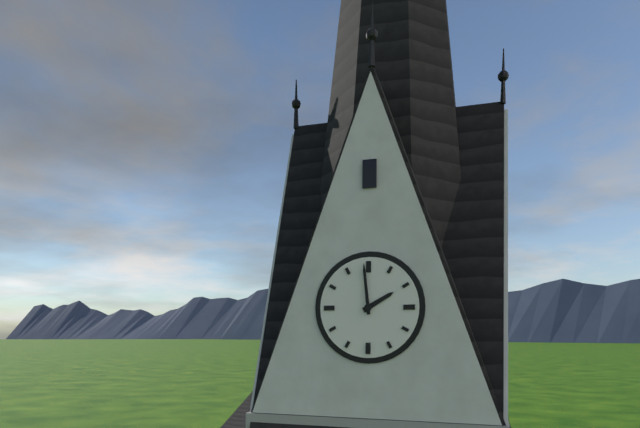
1.59
